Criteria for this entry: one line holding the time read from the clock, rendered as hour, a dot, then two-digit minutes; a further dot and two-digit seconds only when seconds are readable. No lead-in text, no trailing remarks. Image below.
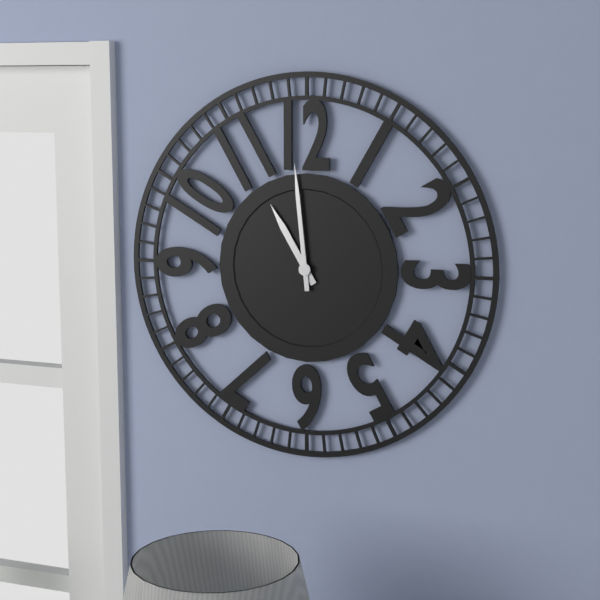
10.59
